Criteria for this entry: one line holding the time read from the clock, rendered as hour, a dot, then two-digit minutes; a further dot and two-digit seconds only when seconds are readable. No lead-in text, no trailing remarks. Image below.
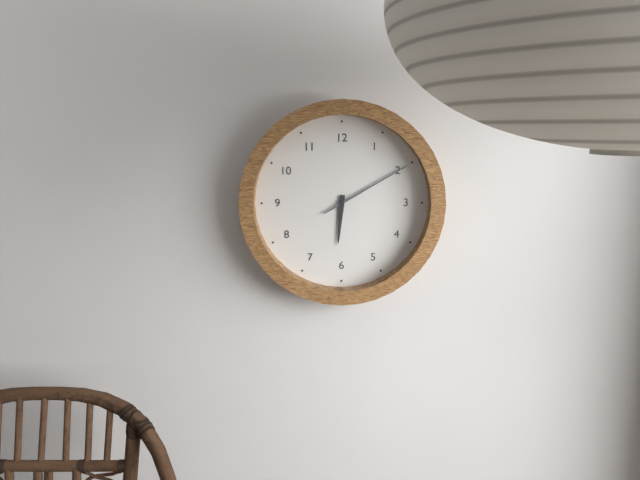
6.10
